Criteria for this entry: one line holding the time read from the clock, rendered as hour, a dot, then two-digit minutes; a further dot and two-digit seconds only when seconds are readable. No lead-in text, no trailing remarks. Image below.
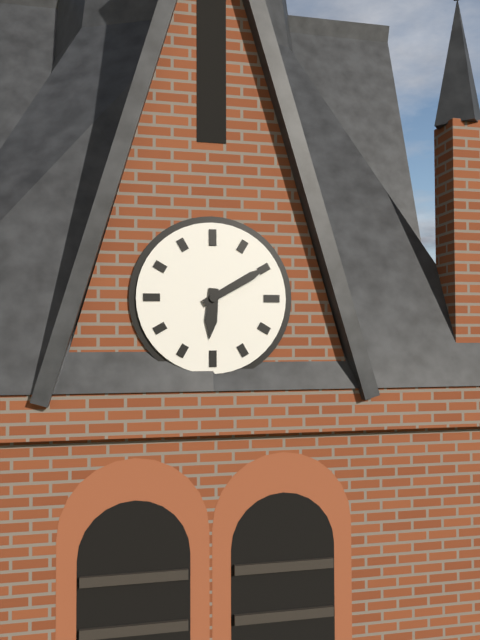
6.10
